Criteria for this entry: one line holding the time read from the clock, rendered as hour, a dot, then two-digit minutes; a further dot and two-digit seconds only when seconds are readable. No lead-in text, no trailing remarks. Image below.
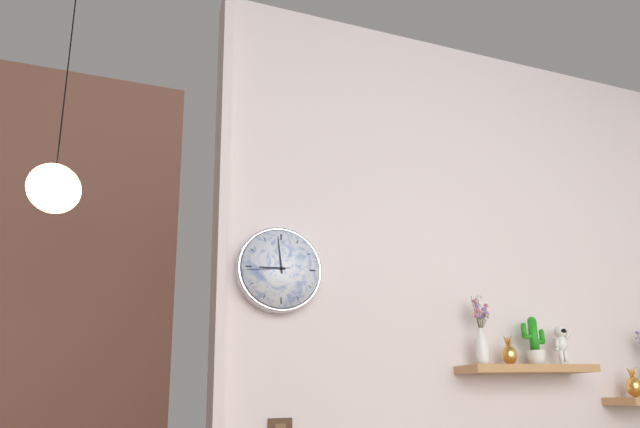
8.59
